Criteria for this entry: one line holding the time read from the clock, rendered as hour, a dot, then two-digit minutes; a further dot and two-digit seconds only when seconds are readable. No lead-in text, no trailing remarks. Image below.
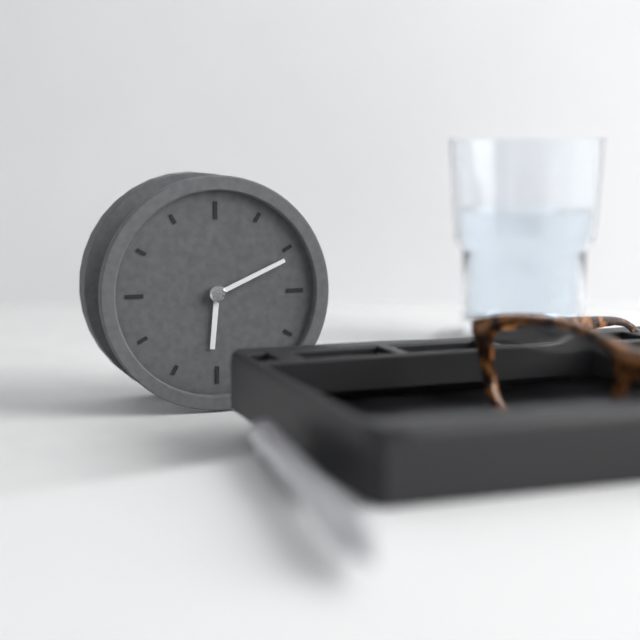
6.11
